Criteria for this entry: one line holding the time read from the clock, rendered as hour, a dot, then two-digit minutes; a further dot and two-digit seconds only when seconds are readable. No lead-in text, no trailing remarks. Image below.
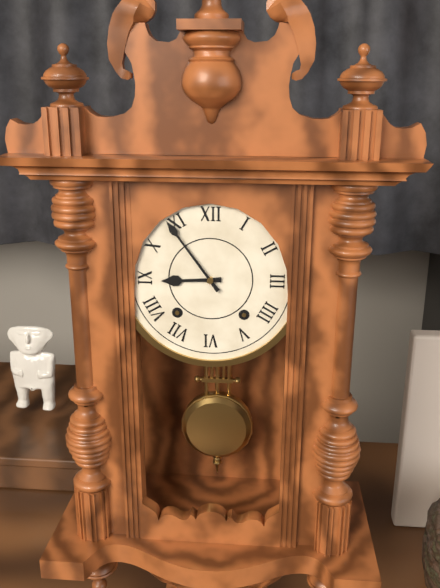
8.54
